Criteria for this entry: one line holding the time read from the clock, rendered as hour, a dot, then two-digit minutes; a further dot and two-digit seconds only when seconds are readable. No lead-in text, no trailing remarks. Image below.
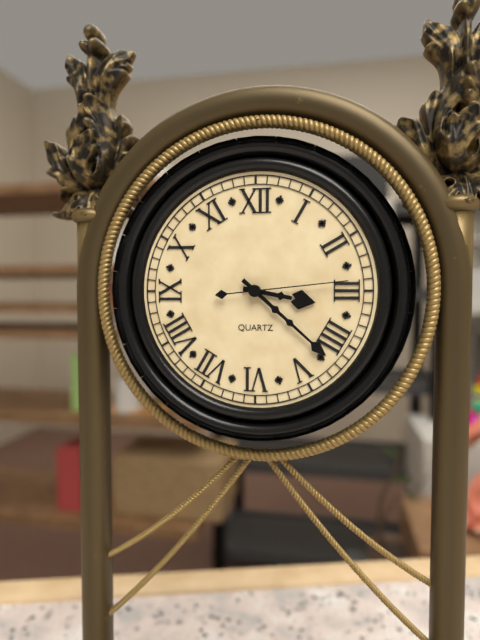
3.22.14
